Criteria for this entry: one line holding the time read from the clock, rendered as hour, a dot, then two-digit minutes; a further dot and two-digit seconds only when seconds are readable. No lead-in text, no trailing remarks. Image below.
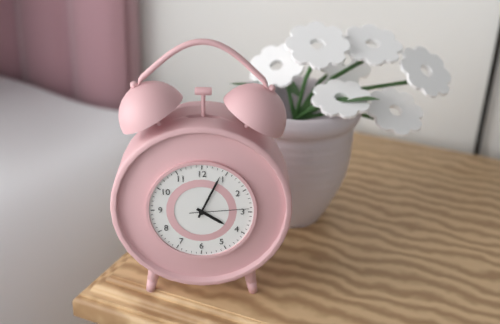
4.04.14
